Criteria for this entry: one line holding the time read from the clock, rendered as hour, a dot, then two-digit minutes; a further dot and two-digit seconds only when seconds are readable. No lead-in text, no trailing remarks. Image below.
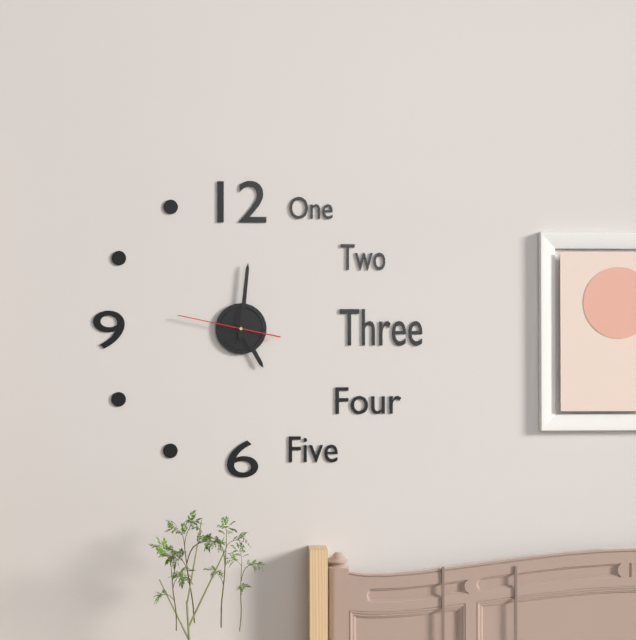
5.01.47
